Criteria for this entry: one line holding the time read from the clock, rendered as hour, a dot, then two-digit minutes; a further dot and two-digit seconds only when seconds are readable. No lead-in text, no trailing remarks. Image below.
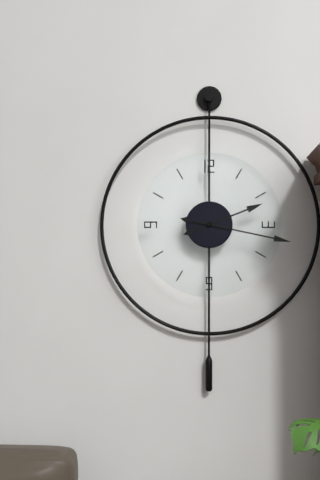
2.17
